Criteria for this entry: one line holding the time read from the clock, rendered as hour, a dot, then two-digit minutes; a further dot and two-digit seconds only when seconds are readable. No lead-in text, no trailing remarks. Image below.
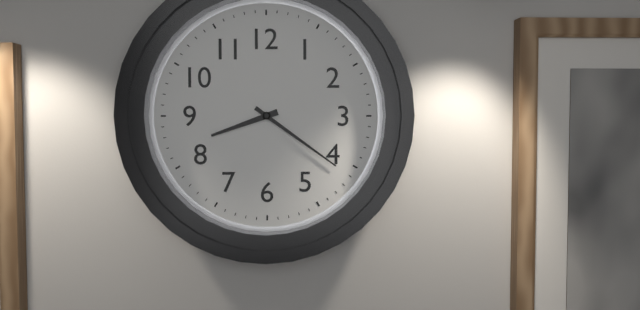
8.21
